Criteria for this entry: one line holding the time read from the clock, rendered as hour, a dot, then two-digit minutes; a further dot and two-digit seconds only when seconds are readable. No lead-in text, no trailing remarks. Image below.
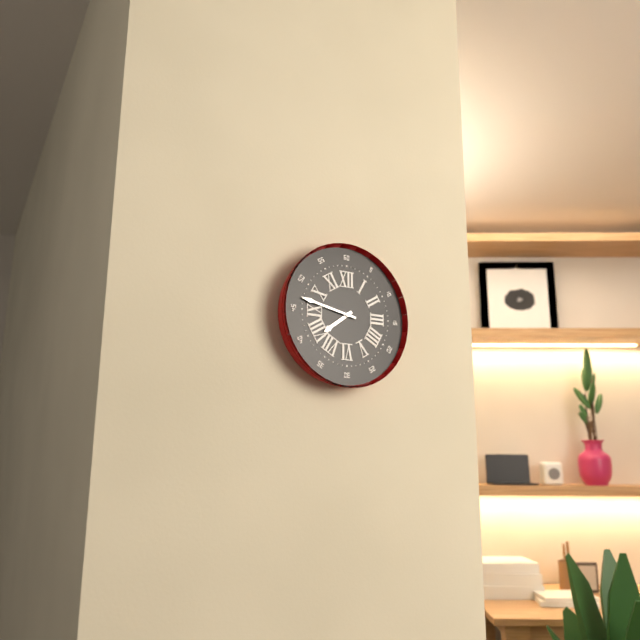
7.47
